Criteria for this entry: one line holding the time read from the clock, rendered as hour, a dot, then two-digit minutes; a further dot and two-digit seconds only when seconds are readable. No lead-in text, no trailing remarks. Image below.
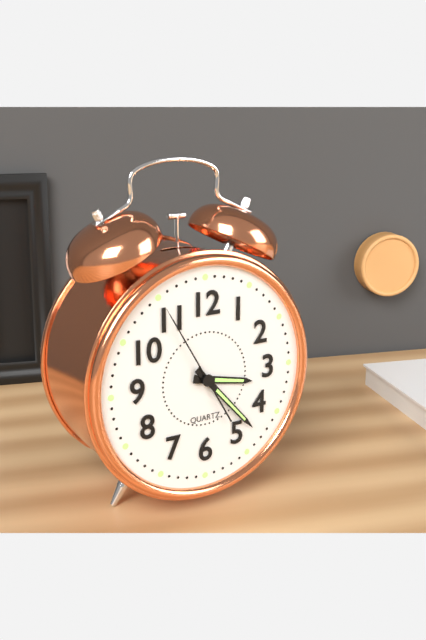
3.23.55
